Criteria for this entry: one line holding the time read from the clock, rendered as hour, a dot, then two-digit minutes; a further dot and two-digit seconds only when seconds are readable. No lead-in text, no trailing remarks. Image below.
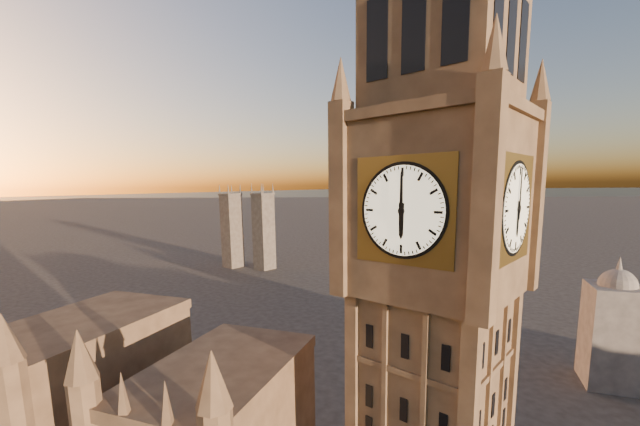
6.00
